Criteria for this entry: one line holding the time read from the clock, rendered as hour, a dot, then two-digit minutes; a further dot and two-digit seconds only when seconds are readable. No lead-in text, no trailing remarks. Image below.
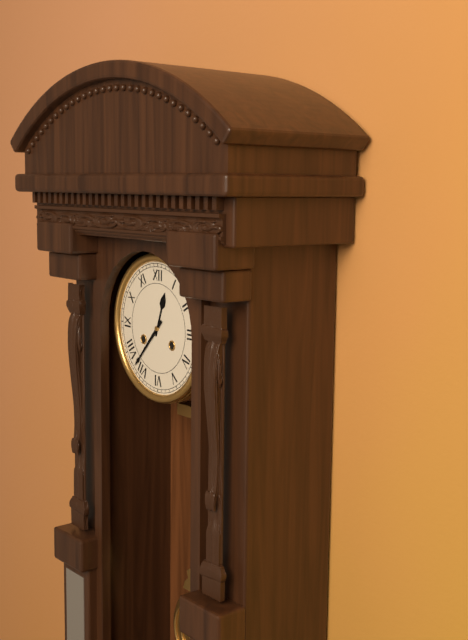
12.37
